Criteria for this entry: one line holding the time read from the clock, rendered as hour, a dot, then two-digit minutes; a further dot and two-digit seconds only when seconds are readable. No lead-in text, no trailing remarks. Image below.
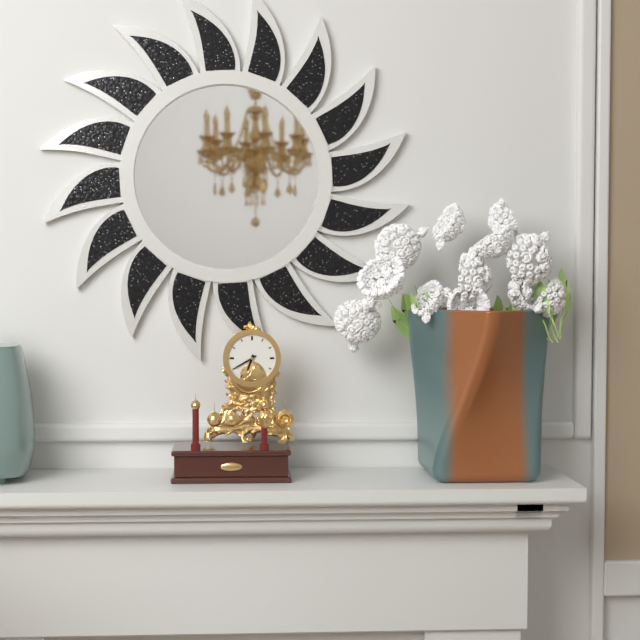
6.40
